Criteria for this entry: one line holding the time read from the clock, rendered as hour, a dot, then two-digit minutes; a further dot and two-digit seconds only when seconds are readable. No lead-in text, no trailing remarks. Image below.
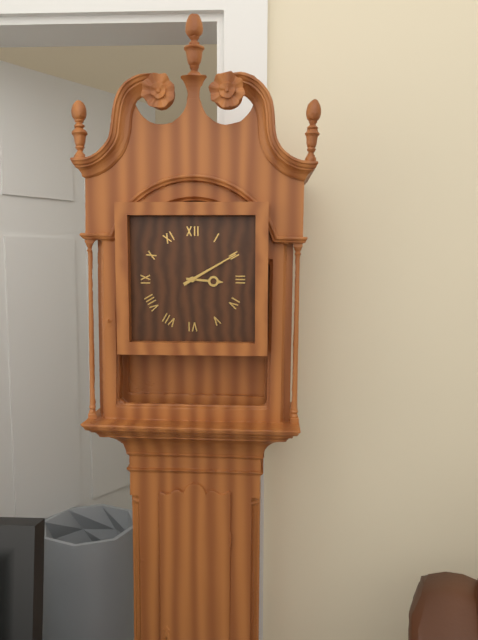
3.10
